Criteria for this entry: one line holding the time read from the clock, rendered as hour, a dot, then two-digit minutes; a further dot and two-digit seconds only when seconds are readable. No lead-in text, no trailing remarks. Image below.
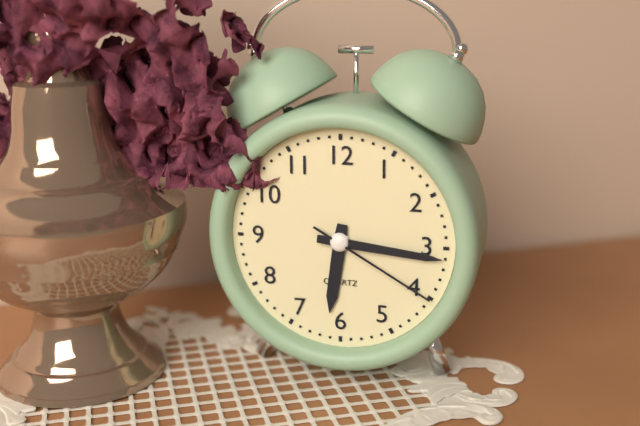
6.16.20
